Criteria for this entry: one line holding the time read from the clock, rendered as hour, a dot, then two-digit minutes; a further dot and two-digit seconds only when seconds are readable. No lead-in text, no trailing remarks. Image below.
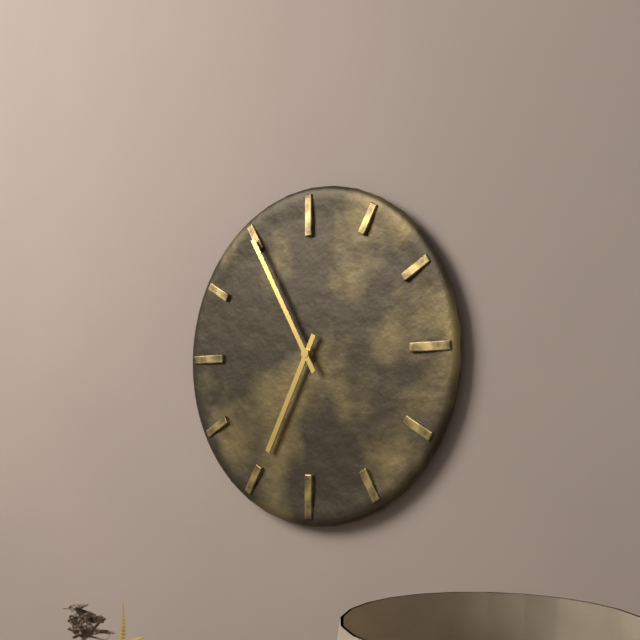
6.55
